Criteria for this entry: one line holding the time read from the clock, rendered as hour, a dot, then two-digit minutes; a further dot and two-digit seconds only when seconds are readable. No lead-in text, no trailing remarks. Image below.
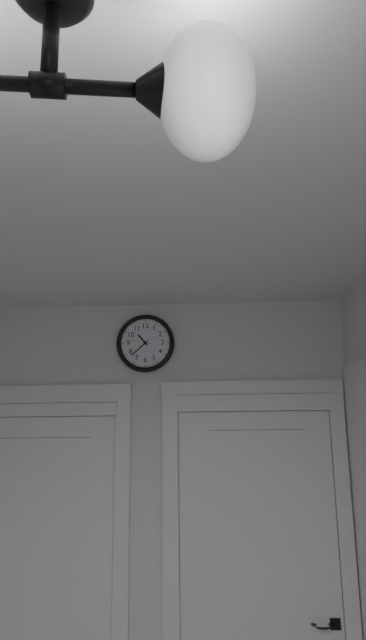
10.38
